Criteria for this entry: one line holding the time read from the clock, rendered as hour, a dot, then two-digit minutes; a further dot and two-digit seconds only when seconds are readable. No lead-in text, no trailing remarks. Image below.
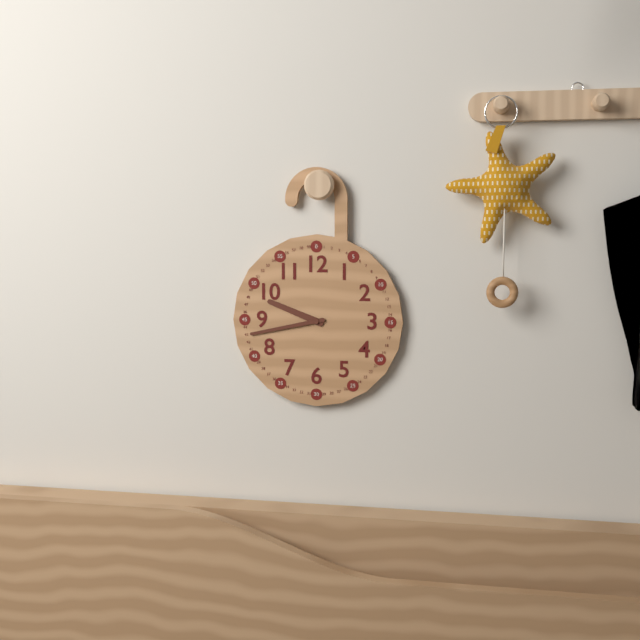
9.43
